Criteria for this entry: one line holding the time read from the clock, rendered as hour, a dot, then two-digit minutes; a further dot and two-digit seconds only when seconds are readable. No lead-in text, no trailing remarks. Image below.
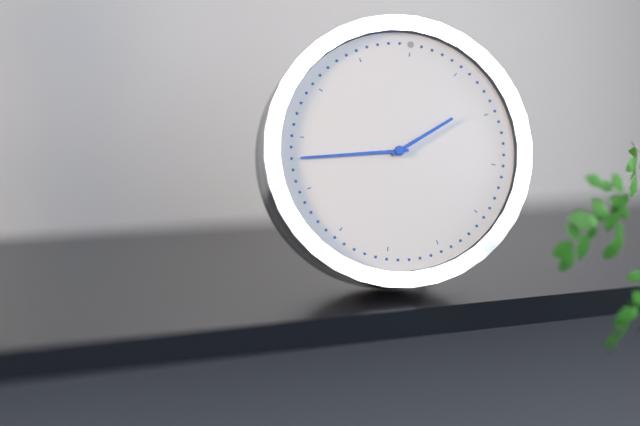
1.43
